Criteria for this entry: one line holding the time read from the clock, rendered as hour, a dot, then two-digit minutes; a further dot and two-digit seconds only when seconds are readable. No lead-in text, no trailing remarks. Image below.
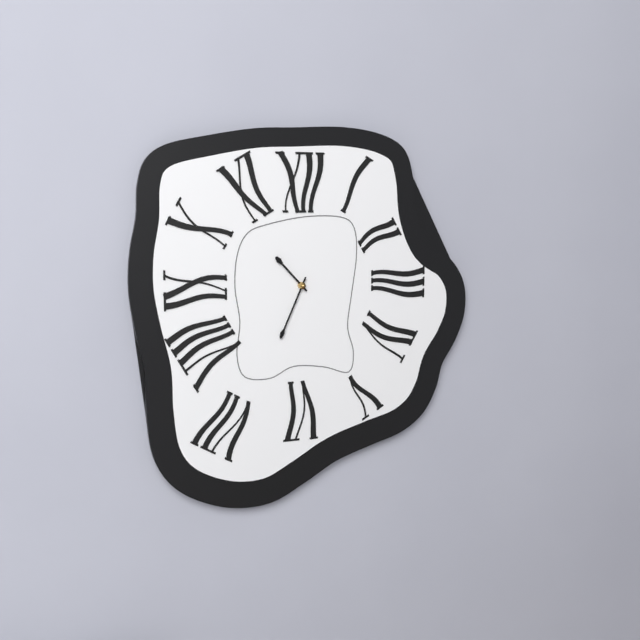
10.34
